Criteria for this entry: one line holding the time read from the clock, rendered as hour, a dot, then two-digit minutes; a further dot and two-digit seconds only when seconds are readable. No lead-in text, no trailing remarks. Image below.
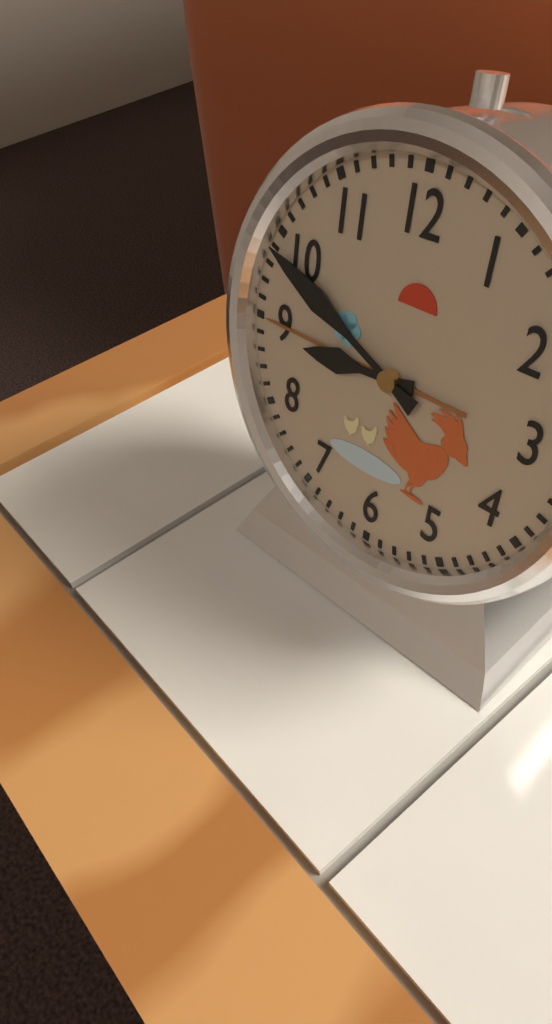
8.49
